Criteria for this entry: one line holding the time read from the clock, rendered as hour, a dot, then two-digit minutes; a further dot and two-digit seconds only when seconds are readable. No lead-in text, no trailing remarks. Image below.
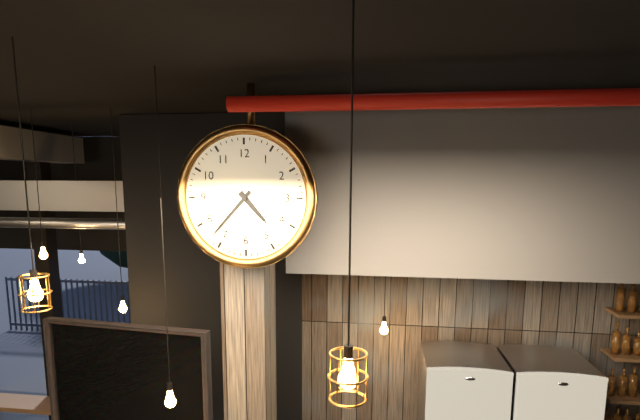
4.37
